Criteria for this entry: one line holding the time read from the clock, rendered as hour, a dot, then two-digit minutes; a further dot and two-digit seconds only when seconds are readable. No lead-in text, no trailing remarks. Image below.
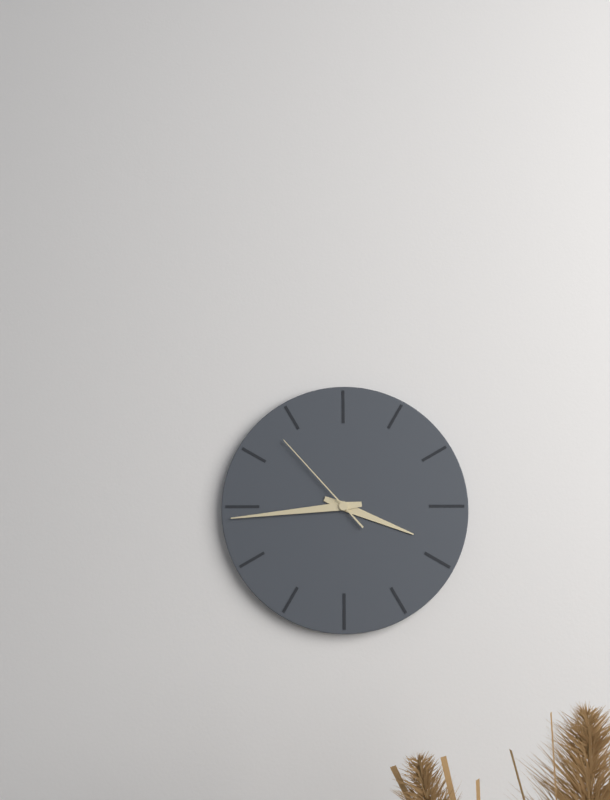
3.44.53
